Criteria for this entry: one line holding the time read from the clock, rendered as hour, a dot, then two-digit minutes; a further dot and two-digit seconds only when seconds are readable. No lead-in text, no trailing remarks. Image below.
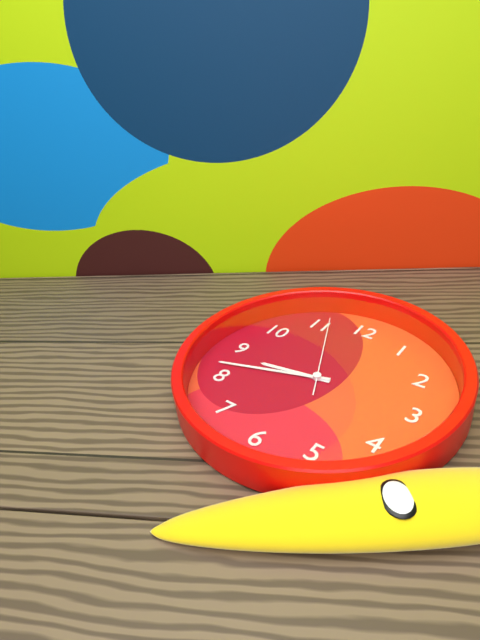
8.42.56
